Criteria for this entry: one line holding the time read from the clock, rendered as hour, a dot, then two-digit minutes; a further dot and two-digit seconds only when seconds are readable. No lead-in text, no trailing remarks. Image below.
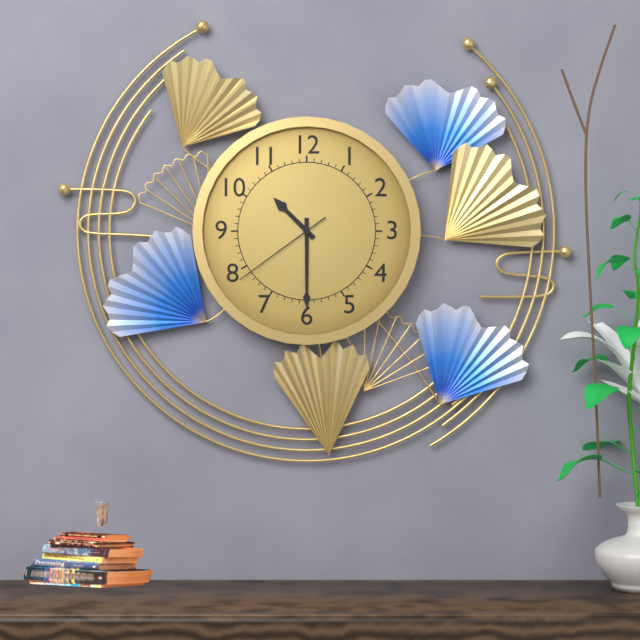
10.30.39
